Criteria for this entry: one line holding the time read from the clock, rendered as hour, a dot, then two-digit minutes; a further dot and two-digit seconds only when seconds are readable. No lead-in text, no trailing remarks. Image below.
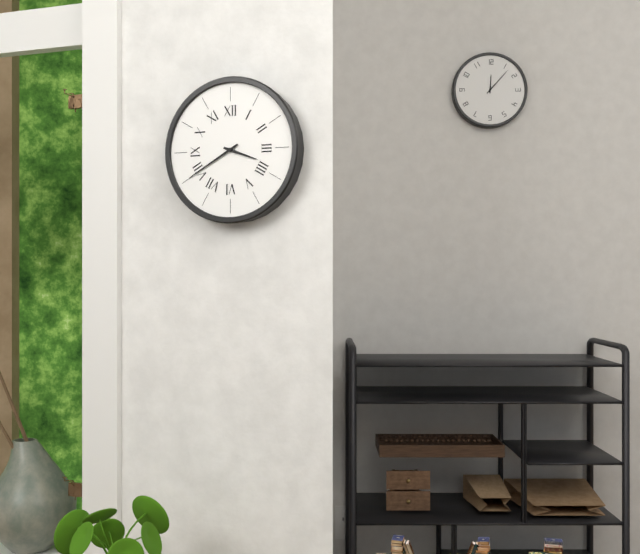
3.40
